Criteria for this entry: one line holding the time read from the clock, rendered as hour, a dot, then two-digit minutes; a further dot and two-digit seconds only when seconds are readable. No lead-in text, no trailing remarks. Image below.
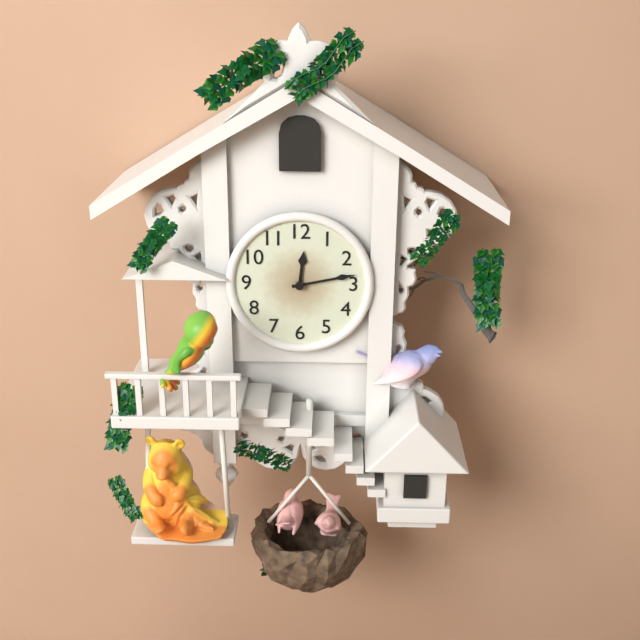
12.13
